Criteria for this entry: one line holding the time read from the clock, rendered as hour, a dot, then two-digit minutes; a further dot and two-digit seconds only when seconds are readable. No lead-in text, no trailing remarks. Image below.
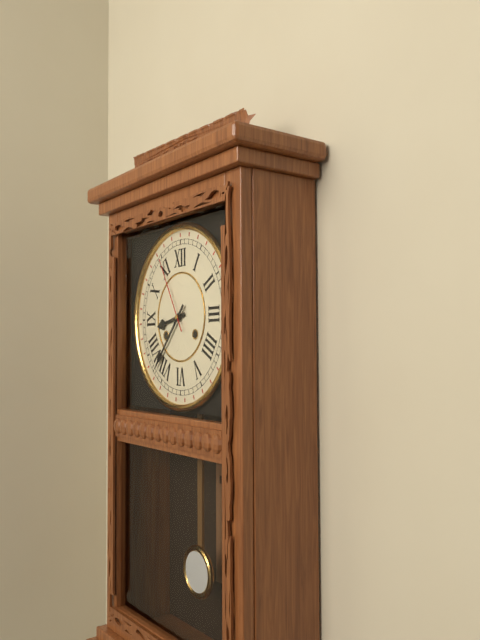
8.37.55
